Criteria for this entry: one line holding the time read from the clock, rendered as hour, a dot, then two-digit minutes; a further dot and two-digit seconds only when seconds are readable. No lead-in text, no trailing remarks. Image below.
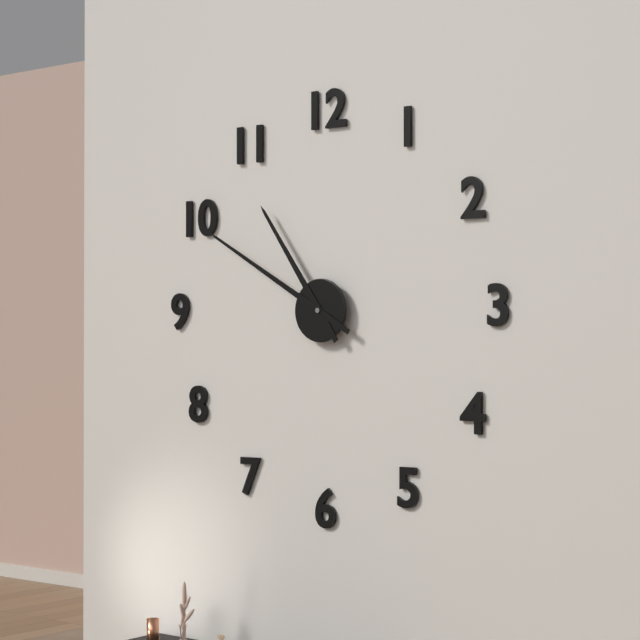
10.50
